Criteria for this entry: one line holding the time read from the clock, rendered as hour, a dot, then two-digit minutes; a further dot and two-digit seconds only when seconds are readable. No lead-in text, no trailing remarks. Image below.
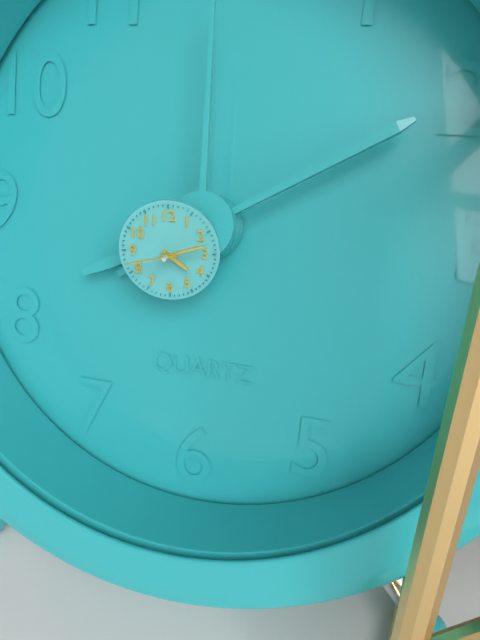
4.12.43
